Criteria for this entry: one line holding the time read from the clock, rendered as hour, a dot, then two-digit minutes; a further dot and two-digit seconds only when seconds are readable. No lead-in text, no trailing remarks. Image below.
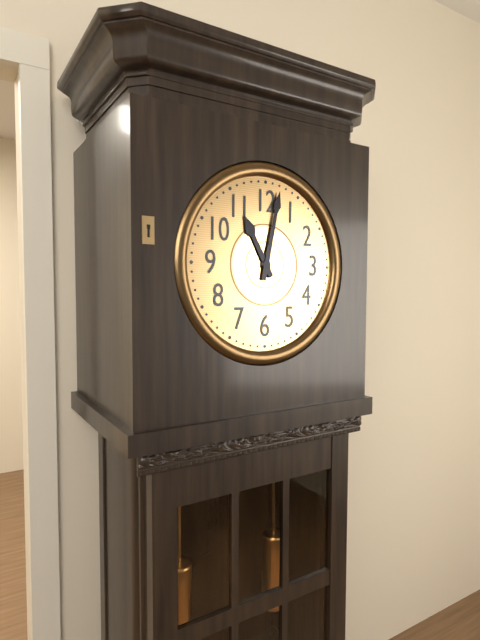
11.02
